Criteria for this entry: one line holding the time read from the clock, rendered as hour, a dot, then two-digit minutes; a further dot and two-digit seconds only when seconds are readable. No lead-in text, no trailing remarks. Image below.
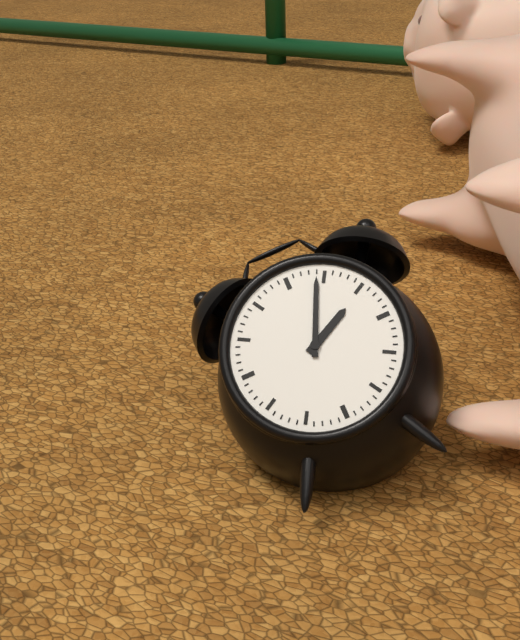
2.04
